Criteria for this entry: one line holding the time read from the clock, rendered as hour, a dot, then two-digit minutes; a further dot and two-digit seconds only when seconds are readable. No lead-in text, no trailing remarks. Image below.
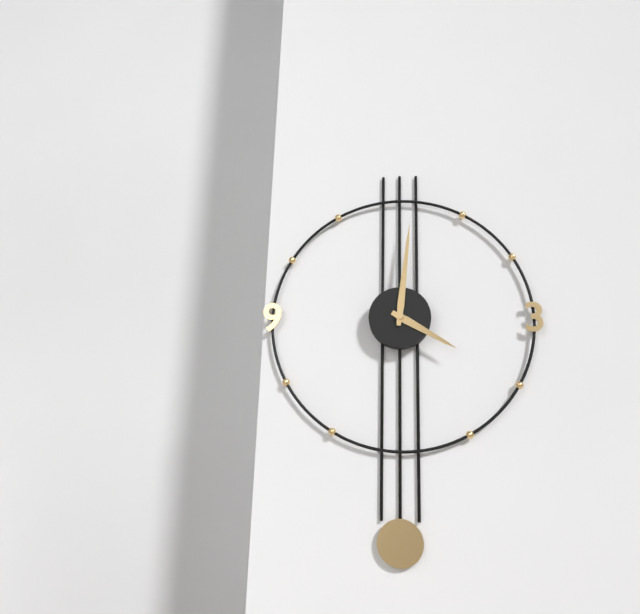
4.01
